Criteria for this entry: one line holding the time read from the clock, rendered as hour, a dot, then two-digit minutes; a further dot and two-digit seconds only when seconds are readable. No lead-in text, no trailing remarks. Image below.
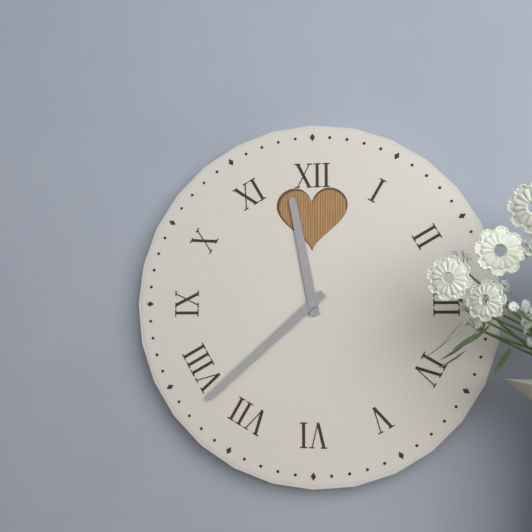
11.38
